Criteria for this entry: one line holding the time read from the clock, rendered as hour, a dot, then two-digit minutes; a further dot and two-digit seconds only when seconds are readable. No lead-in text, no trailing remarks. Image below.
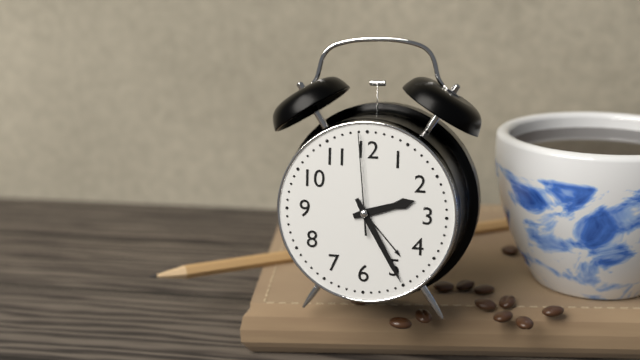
2.25.59
